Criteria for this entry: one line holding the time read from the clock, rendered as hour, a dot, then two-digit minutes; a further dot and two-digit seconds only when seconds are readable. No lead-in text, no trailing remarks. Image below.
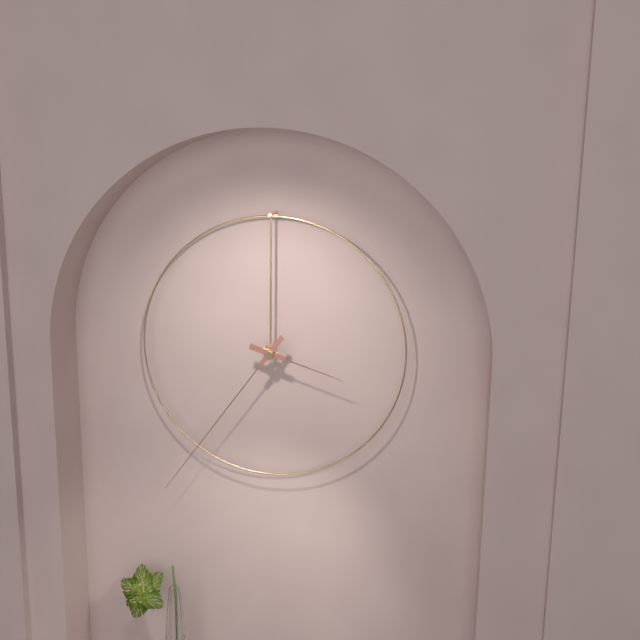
3.36
